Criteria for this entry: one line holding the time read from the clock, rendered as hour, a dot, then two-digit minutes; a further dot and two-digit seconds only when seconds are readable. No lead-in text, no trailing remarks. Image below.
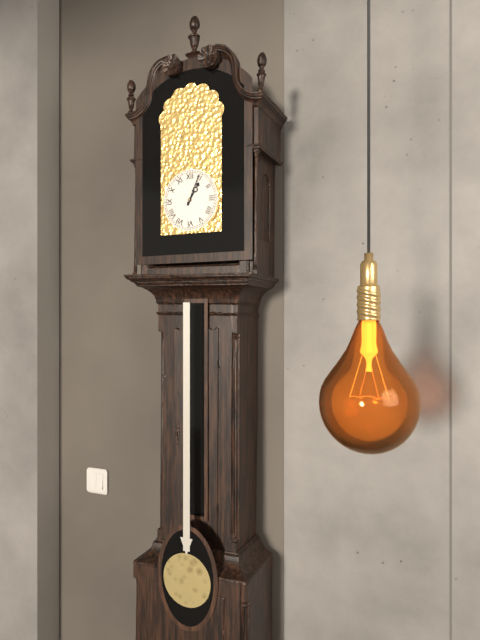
1.04
